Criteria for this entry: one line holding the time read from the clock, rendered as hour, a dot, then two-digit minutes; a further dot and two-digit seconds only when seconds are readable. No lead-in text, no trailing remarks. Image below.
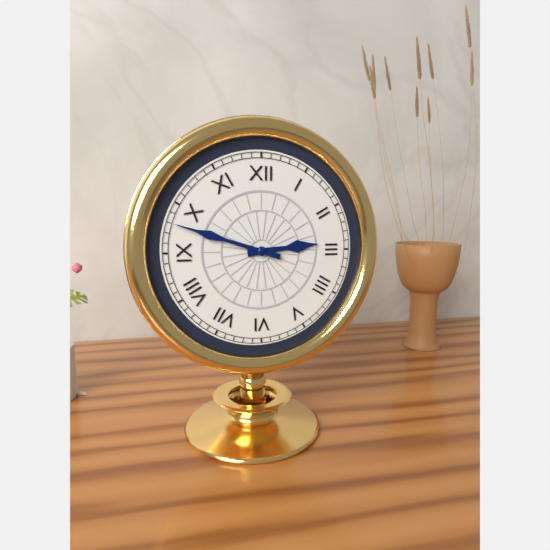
2.48
